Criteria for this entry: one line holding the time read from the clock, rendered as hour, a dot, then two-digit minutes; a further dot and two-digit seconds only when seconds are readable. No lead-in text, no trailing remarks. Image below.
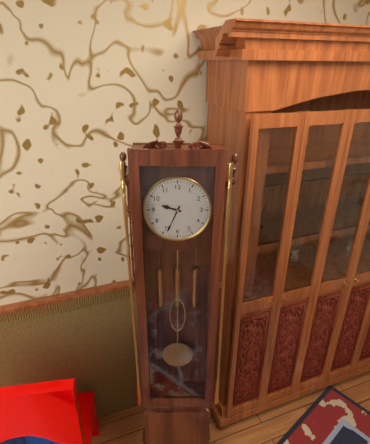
9.34
